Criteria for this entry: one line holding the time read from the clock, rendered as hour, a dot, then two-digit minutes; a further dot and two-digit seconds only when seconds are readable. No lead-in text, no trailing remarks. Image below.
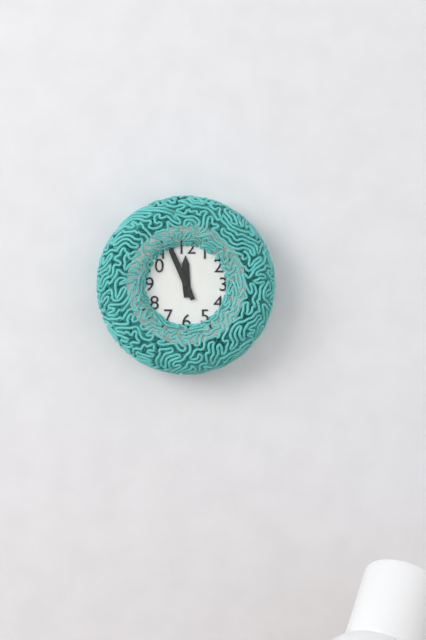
11.56
